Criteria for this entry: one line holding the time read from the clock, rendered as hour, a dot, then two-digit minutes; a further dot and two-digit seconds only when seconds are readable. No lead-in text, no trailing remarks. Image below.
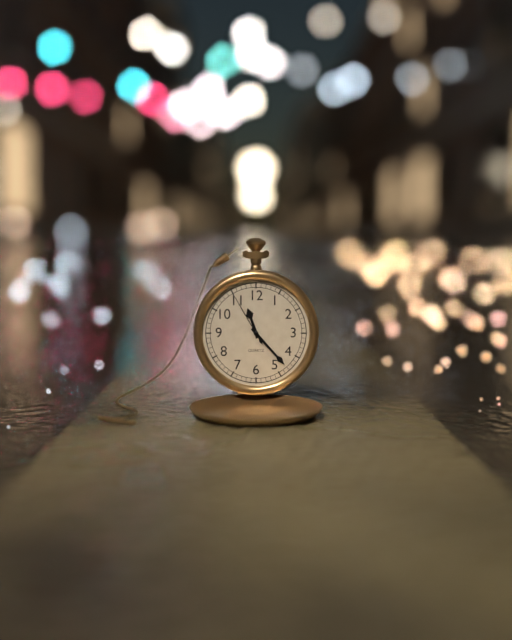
11.23.55
